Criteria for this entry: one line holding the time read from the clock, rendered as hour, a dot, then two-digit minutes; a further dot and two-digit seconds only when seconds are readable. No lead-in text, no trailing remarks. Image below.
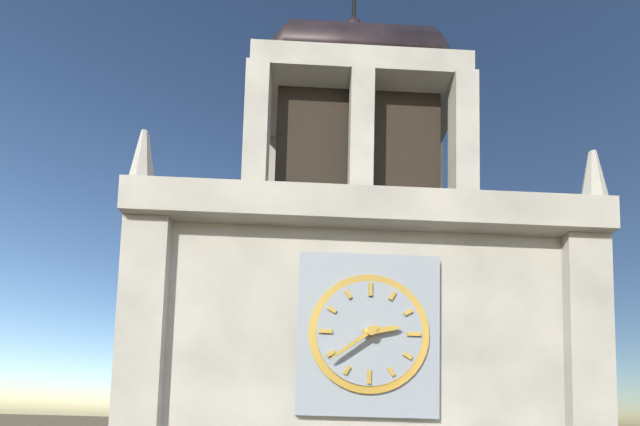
2.39
